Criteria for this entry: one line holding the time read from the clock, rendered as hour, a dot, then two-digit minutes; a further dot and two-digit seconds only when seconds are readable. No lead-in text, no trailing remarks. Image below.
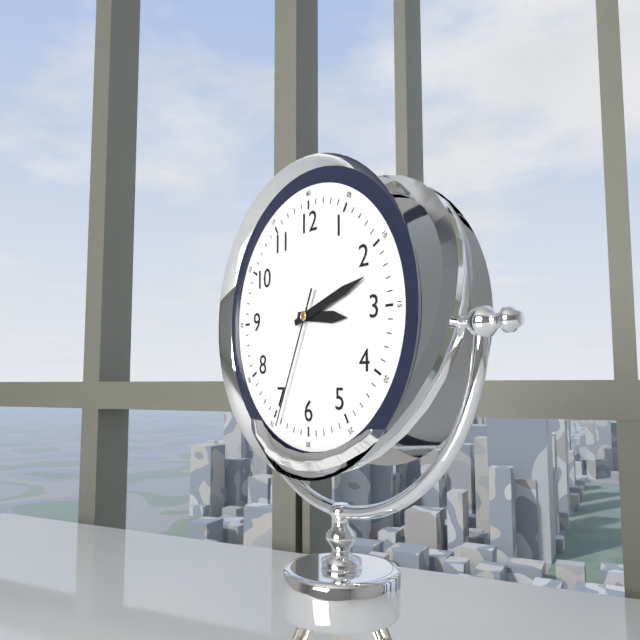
3.12.34
